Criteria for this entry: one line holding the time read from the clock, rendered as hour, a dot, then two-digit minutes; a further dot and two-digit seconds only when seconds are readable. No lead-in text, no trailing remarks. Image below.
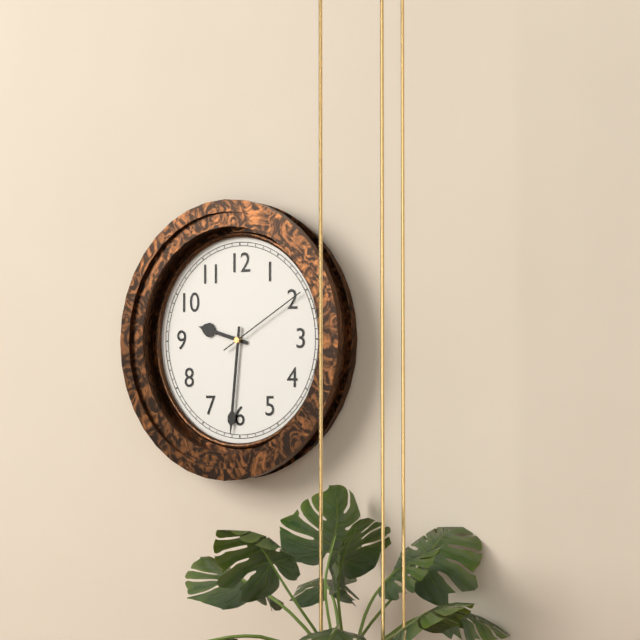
9.31.10
